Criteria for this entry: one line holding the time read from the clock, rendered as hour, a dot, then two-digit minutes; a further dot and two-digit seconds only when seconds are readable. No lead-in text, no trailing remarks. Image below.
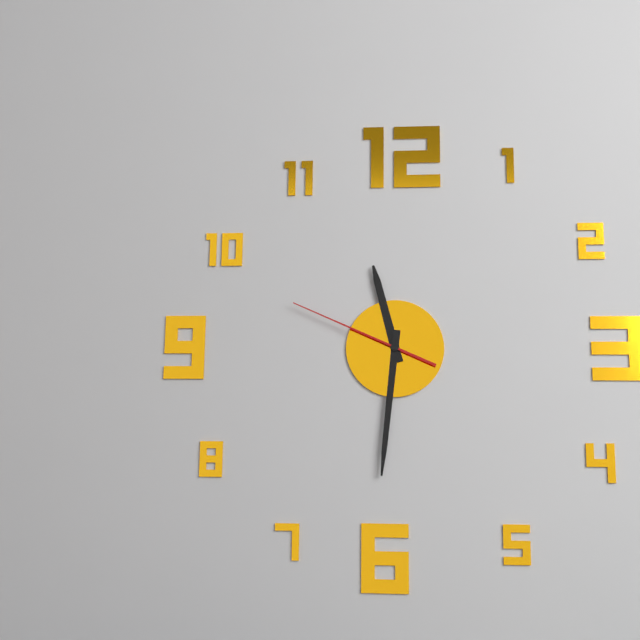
11.31.49
